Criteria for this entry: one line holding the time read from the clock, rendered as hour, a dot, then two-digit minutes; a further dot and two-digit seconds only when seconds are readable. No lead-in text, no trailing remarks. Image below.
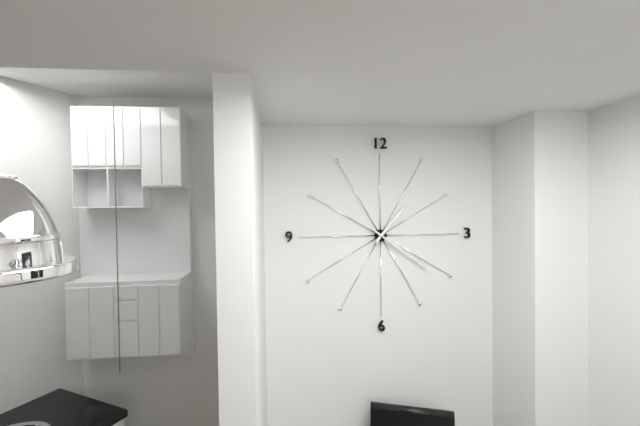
1.21
